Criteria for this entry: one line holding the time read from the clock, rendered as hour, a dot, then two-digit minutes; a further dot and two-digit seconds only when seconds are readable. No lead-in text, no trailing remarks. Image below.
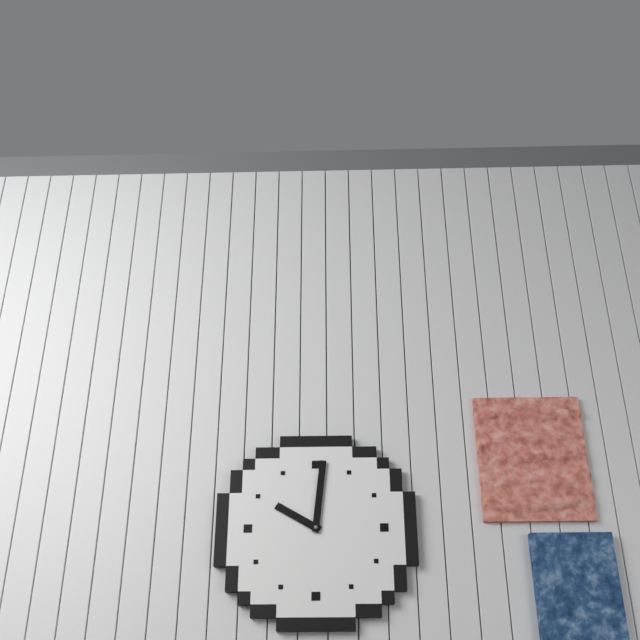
10.01
